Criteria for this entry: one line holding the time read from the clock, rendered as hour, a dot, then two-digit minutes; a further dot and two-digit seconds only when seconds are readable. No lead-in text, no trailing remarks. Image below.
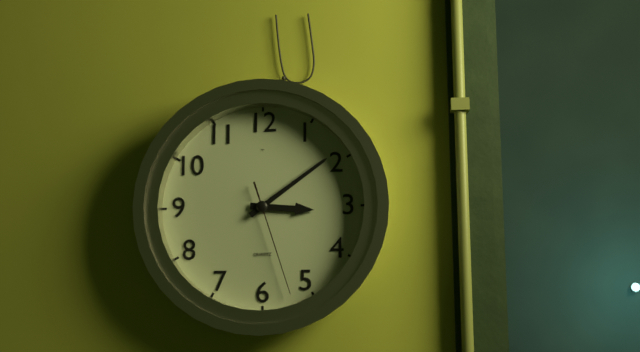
3.09.27
